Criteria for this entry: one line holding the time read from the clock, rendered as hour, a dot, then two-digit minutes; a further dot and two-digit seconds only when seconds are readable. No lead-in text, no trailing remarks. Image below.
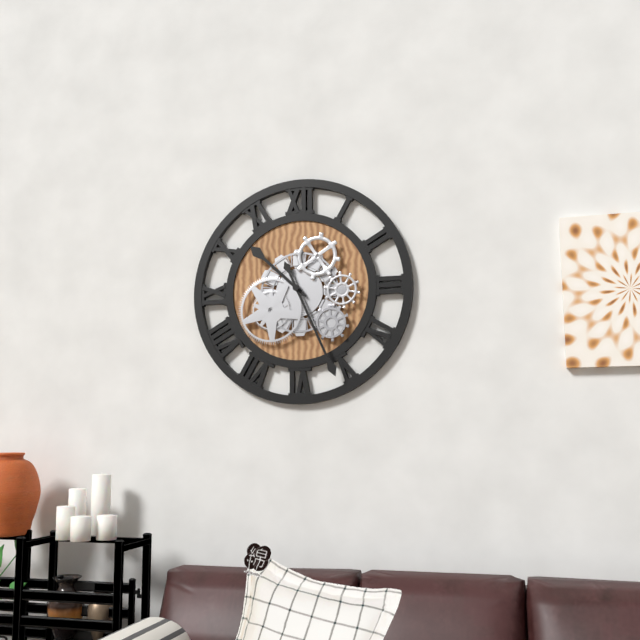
10.26
